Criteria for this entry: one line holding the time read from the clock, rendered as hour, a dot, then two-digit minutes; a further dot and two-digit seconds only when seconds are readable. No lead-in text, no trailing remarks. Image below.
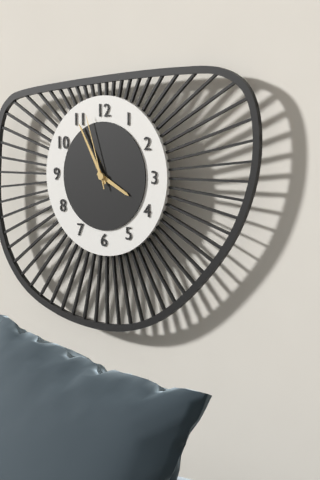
3.55.57
